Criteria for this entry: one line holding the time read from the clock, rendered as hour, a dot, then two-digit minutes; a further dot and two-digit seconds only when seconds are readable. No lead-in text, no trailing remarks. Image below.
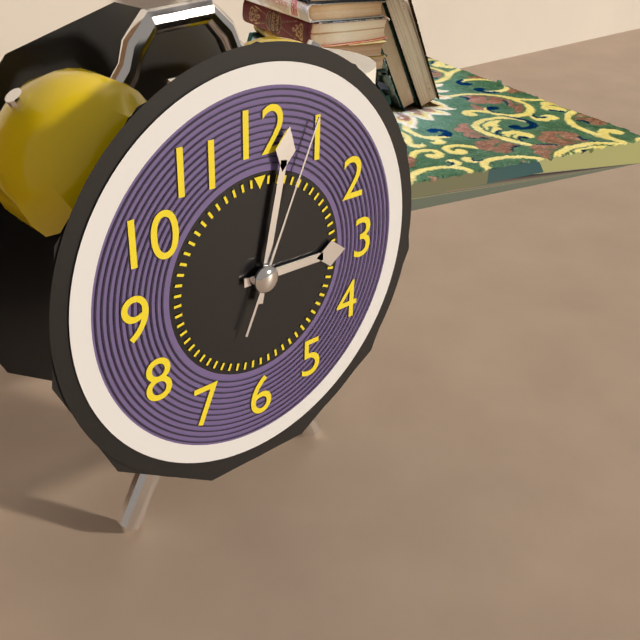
3.02.04
